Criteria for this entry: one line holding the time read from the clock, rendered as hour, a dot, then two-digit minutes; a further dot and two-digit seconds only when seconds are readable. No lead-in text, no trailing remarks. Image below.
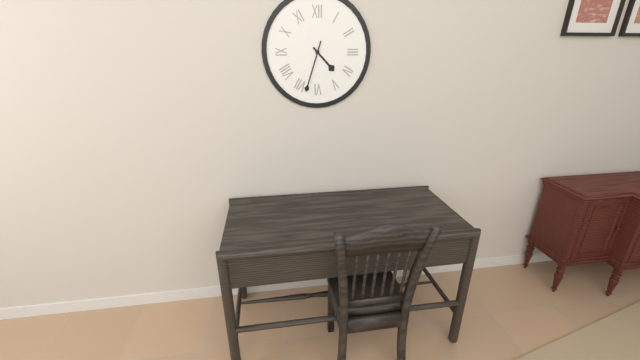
4.33
